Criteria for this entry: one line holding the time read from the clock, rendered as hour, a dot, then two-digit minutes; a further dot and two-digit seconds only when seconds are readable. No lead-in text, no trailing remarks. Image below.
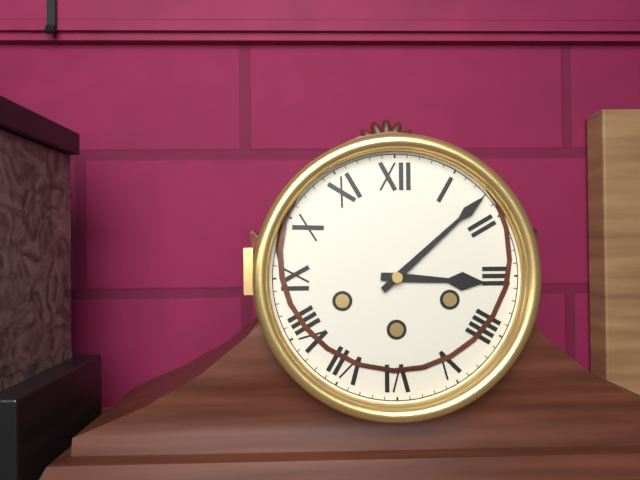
3.08
